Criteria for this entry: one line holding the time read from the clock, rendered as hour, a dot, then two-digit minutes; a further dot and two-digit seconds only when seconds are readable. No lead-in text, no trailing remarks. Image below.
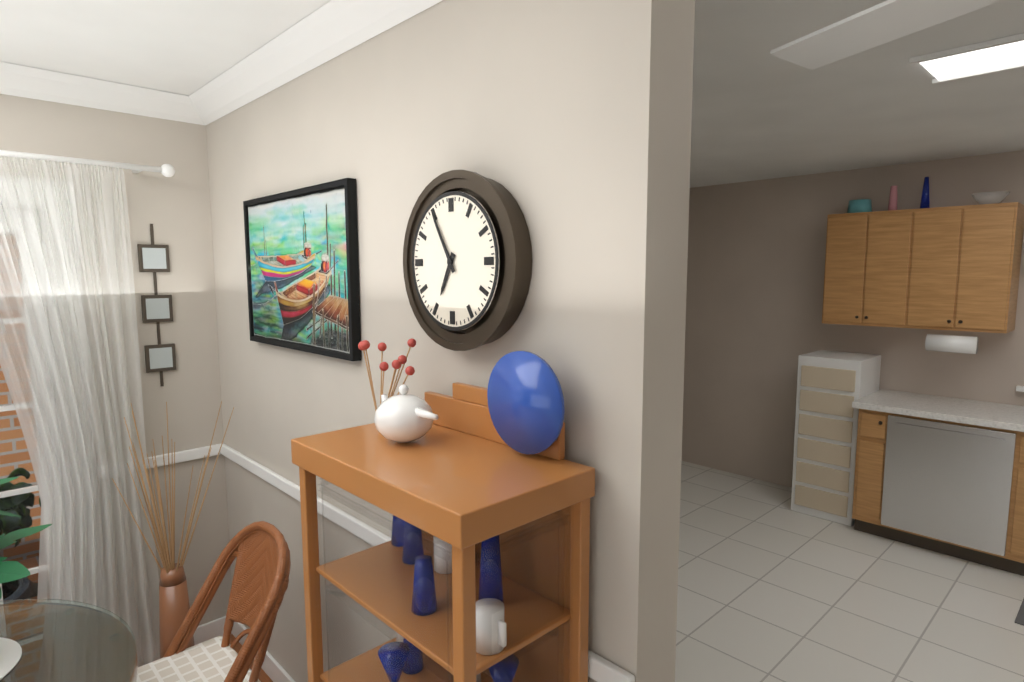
6.55
